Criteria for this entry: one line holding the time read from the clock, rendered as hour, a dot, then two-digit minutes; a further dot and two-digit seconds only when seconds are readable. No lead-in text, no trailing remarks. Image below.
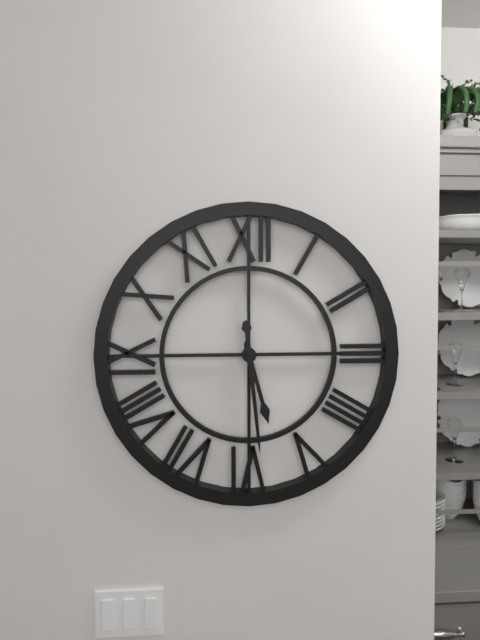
5.29
